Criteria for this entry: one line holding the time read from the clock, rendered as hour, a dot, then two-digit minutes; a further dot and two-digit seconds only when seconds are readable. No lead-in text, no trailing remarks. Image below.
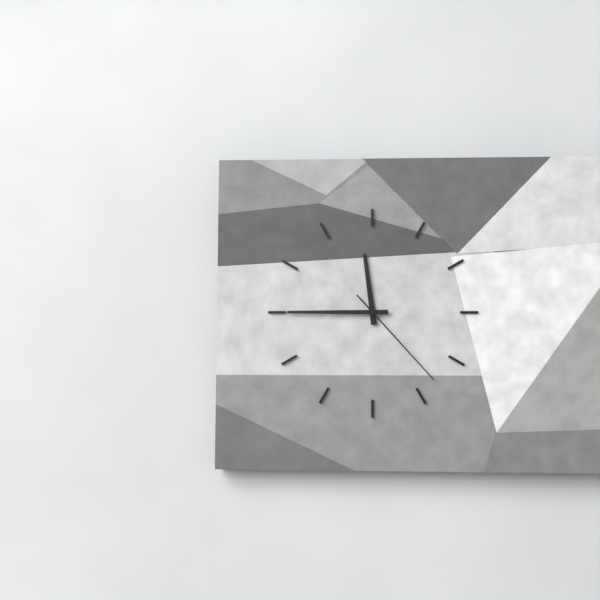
11.45.23
